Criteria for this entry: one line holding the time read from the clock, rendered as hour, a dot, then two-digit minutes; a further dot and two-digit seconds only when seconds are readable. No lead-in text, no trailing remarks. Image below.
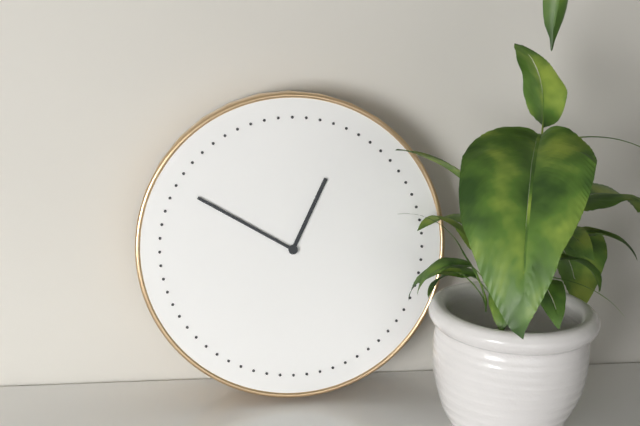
12.50
